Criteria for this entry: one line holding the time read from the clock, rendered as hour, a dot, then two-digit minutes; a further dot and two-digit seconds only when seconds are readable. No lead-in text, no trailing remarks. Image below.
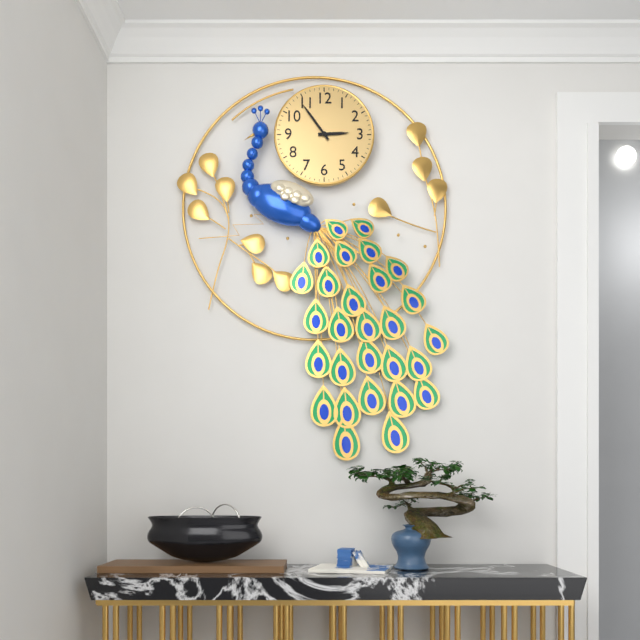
2.54
